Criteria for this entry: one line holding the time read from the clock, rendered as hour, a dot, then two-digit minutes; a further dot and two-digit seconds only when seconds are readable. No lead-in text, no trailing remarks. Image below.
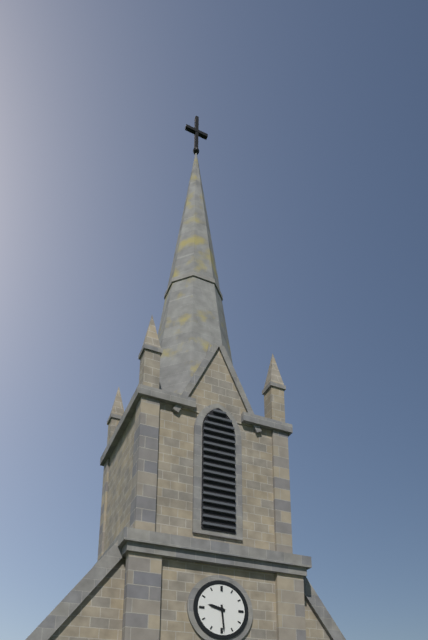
9.29
